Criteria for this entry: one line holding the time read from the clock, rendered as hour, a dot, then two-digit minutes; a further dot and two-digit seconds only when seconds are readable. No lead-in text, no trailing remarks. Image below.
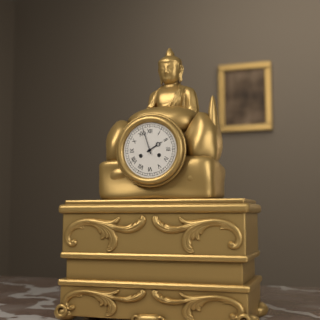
1.57
